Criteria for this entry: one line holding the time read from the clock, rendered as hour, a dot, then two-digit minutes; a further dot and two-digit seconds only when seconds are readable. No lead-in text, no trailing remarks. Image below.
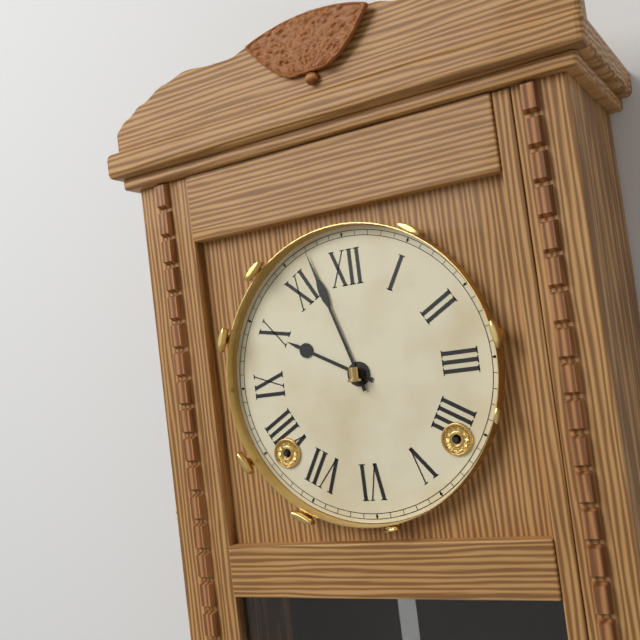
9.57
